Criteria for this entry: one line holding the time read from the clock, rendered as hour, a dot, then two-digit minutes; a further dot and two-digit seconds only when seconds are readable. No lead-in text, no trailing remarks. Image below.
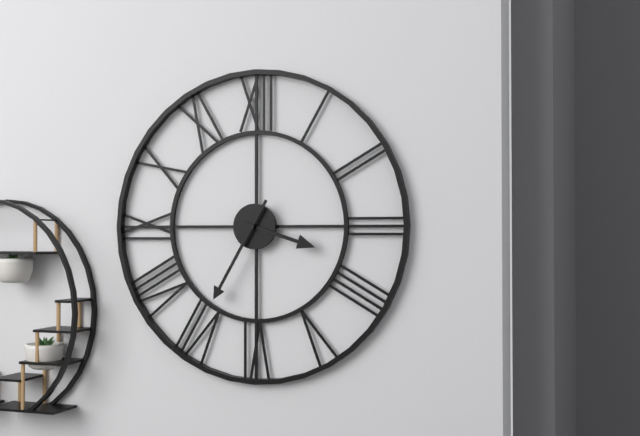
3.35
